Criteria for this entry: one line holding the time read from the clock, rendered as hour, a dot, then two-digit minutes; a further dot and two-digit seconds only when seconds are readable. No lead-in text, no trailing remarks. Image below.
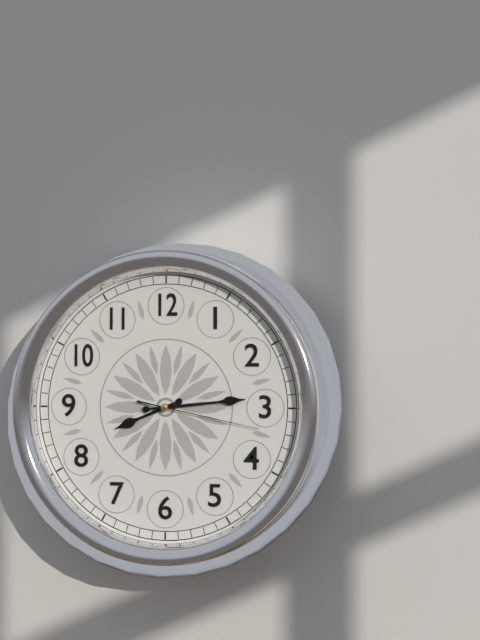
8.14.17
